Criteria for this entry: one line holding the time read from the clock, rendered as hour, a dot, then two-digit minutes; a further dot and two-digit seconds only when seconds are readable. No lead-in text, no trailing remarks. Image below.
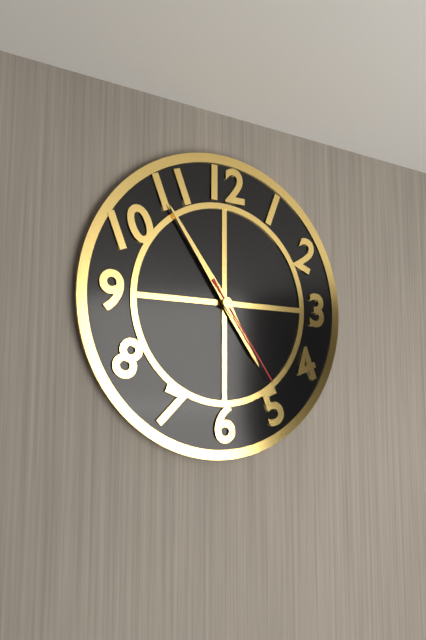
4.54.24
